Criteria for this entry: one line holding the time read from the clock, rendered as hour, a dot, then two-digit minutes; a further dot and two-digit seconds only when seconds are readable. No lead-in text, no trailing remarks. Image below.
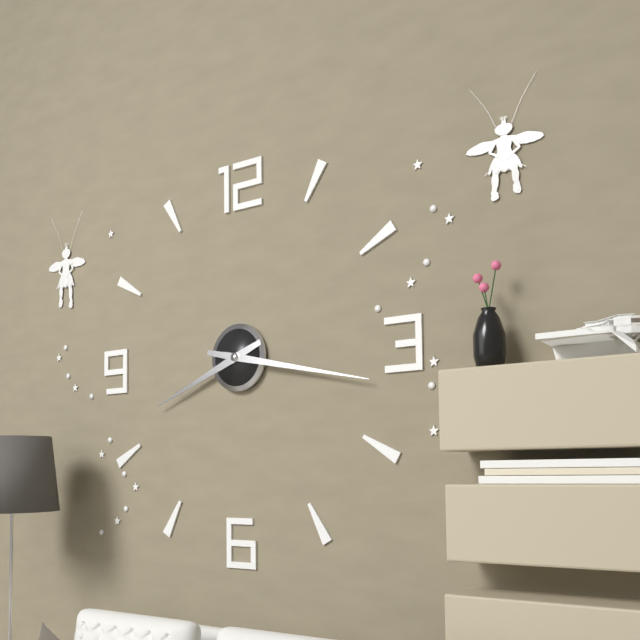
8.17
